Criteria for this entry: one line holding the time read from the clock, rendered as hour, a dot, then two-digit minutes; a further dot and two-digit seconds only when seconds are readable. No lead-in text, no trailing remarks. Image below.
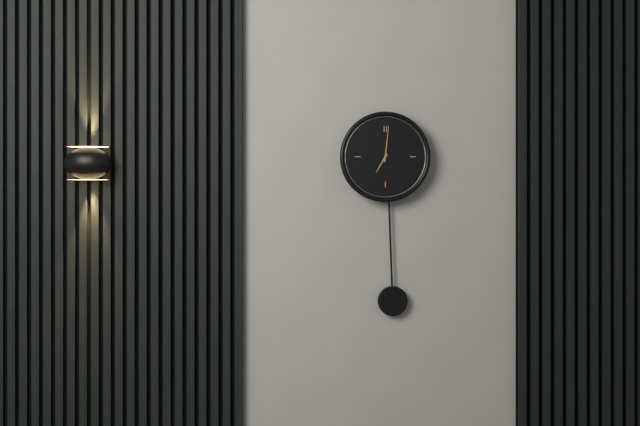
7.01
